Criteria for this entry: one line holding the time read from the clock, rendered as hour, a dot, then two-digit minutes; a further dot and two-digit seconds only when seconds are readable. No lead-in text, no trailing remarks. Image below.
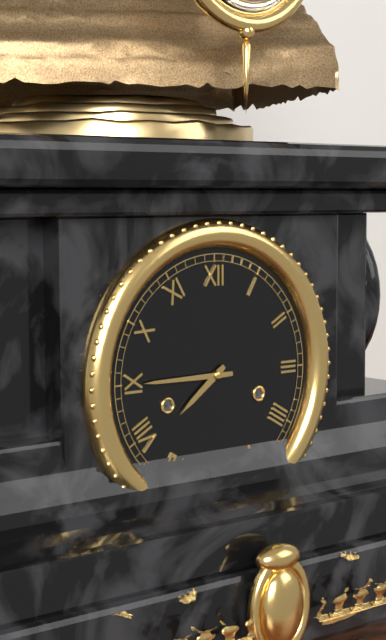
7.45
